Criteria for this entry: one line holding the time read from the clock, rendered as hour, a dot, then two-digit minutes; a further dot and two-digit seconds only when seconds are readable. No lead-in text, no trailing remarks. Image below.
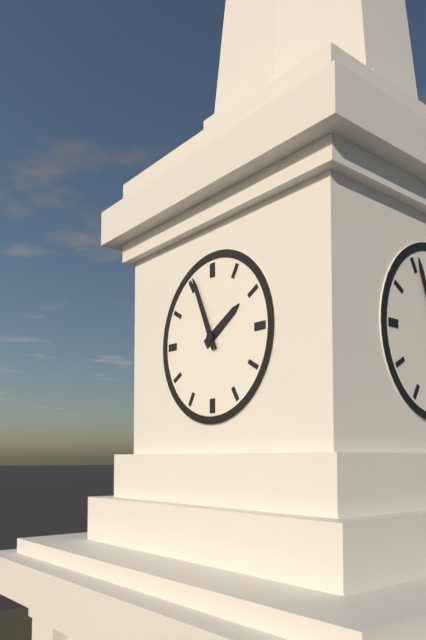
1.56
